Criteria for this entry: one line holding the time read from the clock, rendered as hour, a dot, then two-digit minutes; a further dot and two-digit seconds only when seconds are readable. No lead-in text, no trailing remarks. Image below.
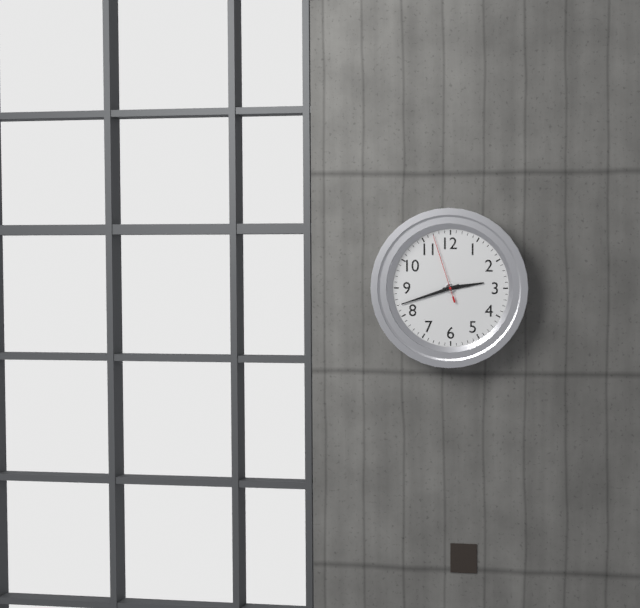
2.42.57
